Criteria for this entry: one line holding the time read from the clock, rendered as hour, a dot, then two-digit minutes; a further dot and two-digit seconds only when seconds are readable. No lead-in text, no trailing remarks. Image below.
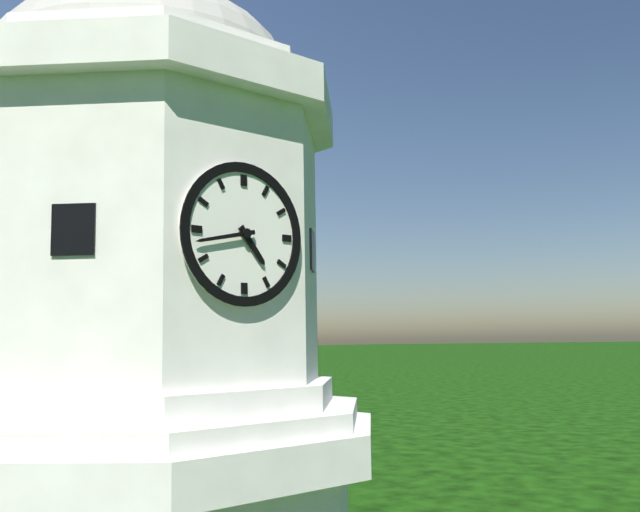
4.43
